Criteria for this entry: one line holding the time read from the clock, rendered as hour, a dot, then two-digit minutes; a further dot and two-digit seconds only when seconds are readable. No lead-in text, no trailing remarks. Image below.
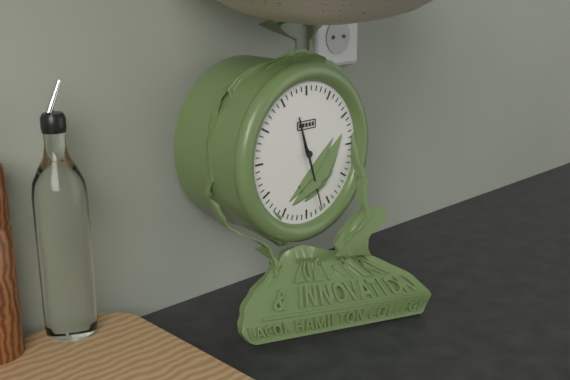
11.27
